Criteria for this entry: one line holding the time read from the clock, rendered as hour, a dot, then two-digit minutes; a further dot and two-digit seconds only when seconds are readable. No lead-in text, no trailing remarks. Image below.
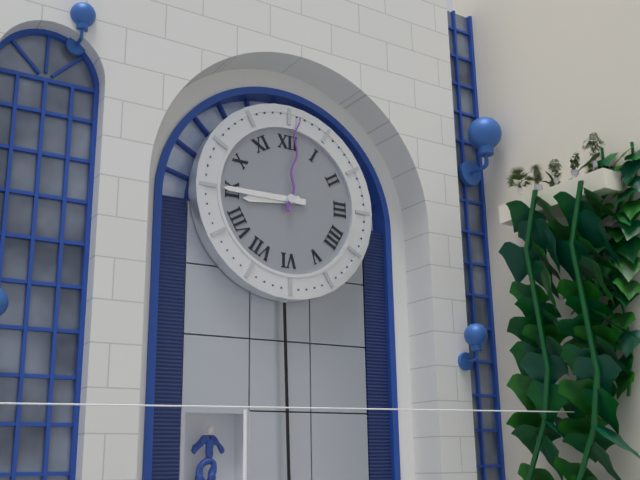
8.45.01
